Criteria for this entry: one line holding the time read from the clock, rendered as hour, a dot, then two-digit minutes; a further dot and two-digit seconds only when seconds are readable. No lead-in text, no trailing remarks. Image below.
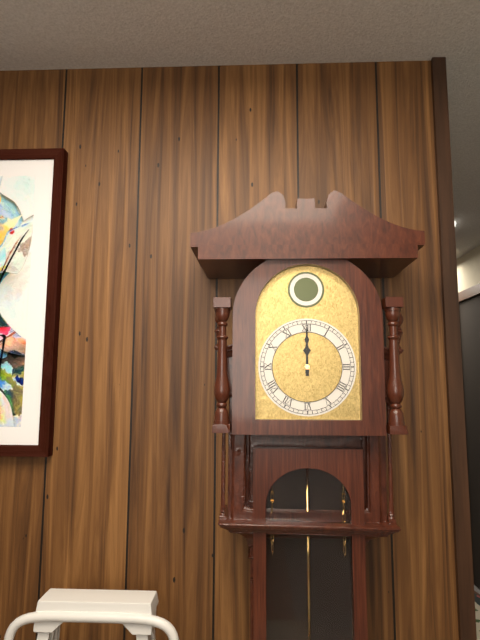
12.00
